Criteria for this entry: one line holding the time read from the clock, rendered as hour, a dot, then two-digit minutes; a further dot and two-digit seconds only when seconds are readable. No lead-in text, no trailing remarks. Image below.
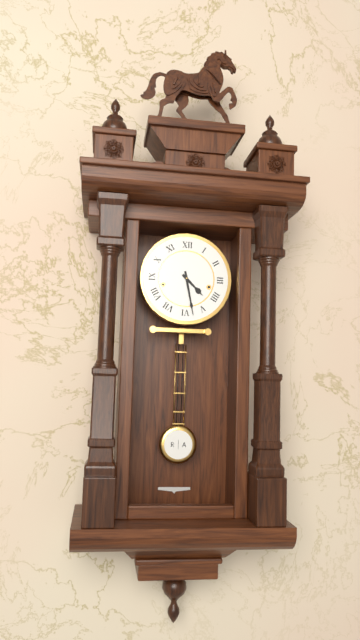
4.28
